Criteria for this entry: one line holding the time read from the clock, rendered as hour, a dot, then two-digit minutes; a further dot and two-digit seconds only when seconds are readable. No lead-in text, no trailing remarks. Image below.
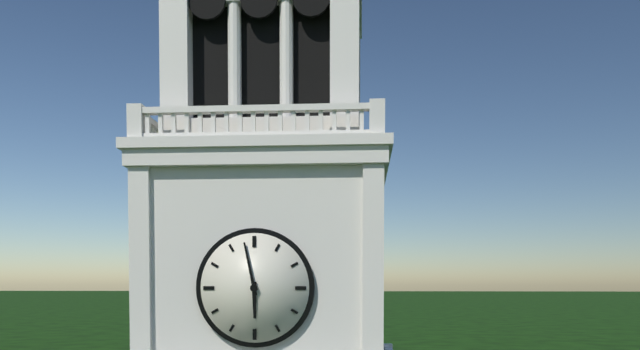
5.58
